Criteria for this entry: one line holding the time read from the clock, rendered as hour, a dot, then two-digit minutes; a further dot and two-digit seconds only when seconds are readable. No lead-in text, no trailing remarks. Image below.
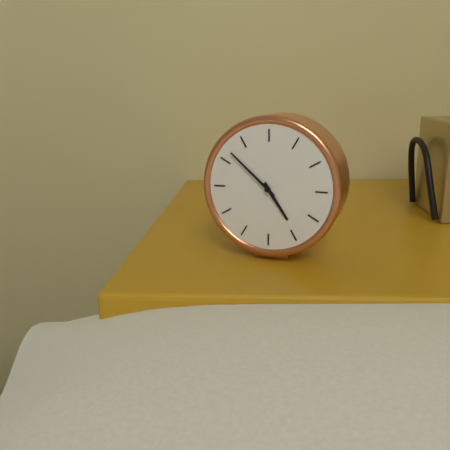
4.52
